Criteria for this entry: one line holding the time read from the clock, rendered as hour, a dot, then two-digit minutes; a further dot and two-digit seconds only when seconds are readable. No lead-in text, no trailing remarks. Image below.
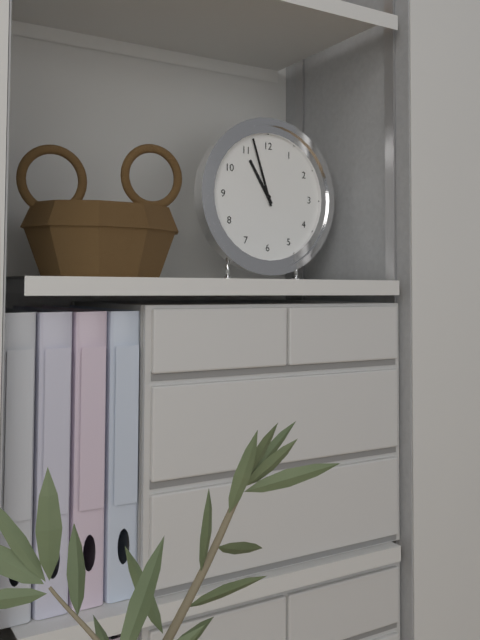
10.57
